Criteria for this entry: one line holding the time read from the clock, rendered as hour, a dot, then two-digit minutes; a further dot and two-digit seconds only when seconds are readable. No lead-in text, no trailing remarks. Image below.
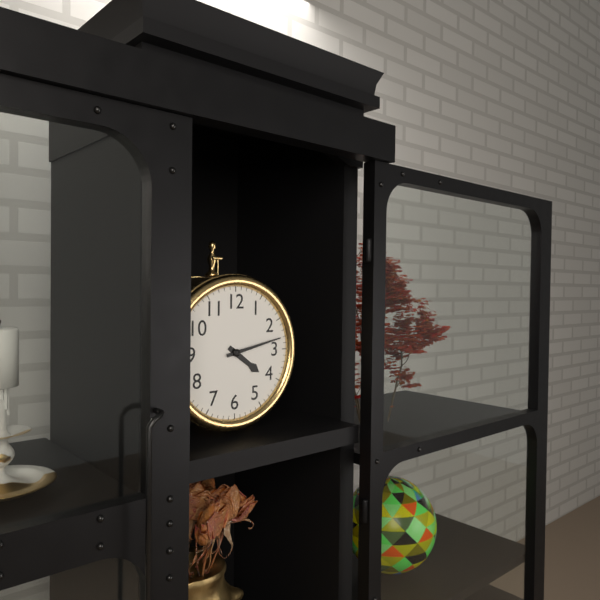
4.13
